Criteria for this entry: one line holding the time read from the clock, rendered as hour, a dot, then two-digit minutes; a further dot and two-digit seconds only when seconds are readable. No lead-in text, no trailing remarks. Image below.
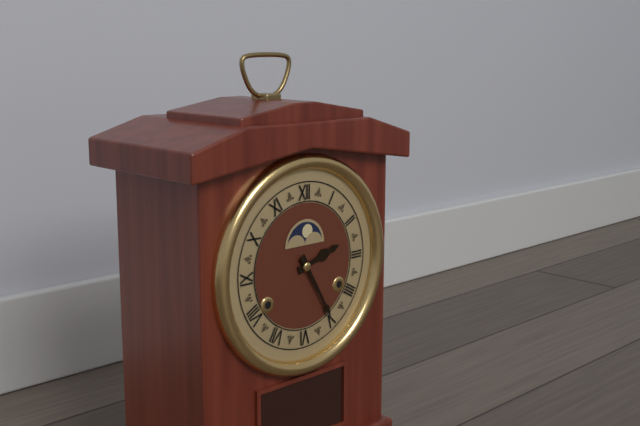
2.25
